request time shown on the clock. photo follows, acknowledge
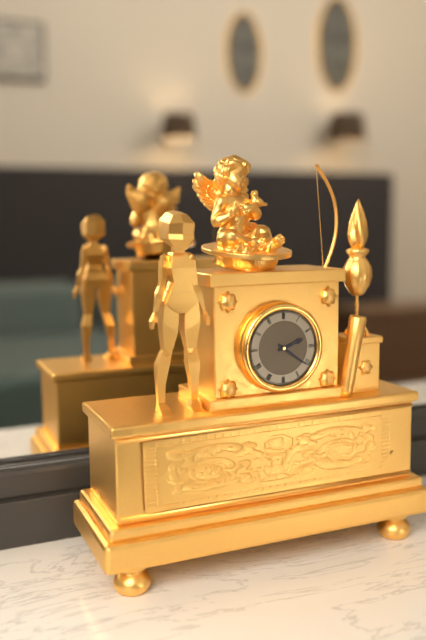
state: 2:21
